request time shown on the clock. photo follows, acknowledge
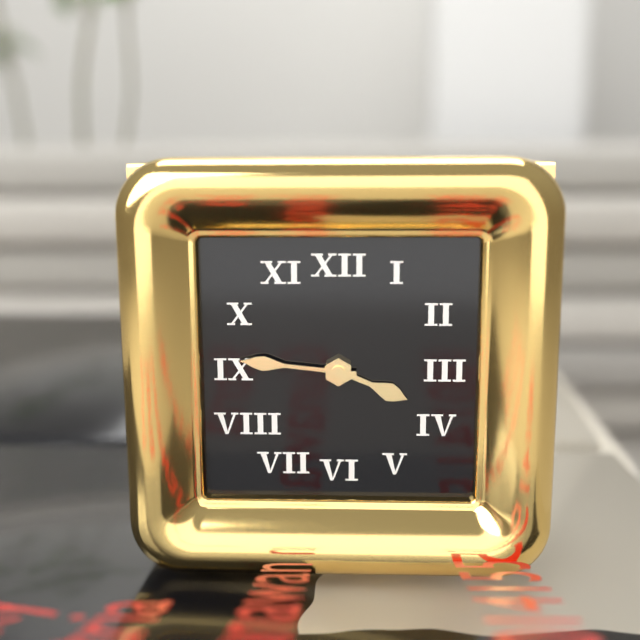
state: 3:46
